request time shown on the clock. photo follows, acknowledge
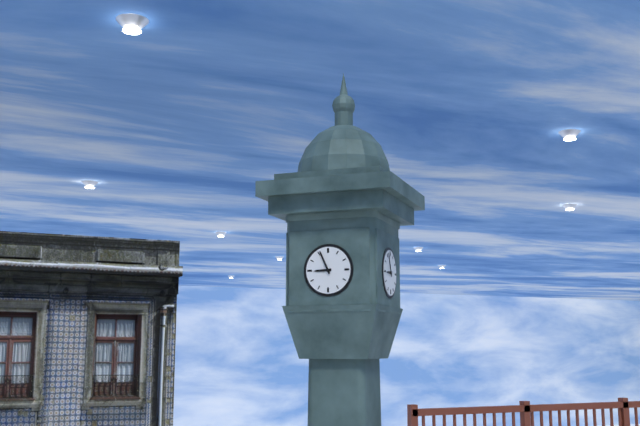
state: 8:56
